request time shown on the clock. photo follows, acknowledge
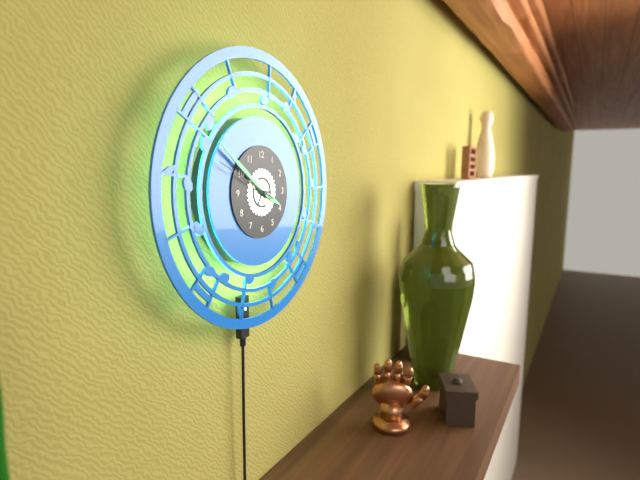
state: 3:51:49
